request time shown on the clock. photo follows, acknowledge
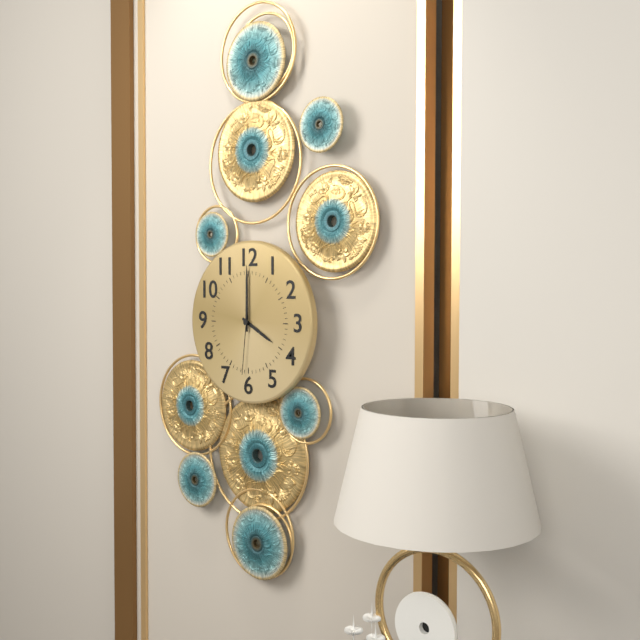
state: 4:00:31
